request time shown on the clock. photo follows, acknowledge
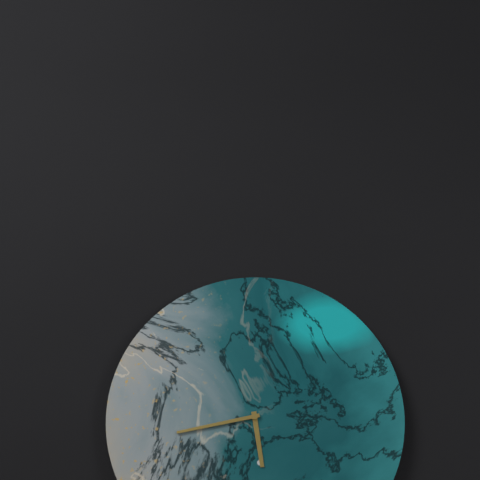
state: 5:43
